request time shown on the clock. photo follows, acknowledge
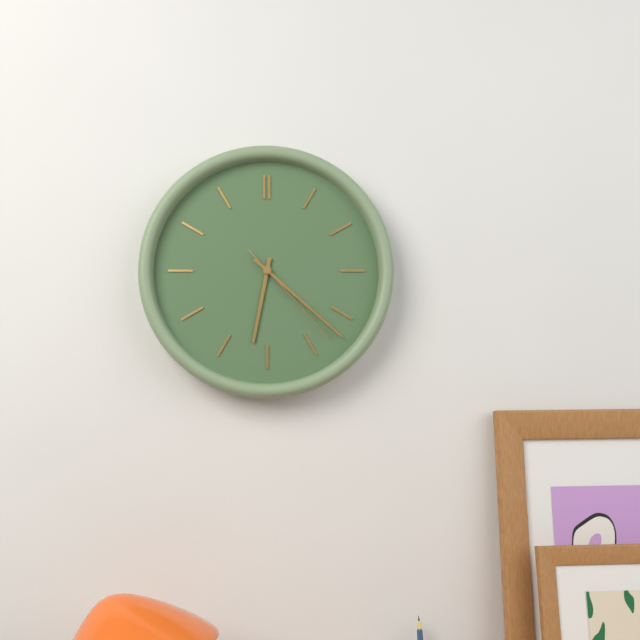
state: 6:22:23
